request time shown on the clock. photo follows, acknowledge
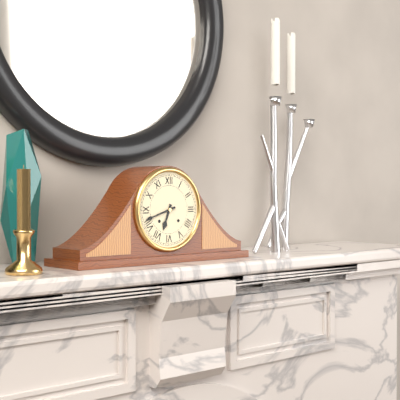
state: 6:42
